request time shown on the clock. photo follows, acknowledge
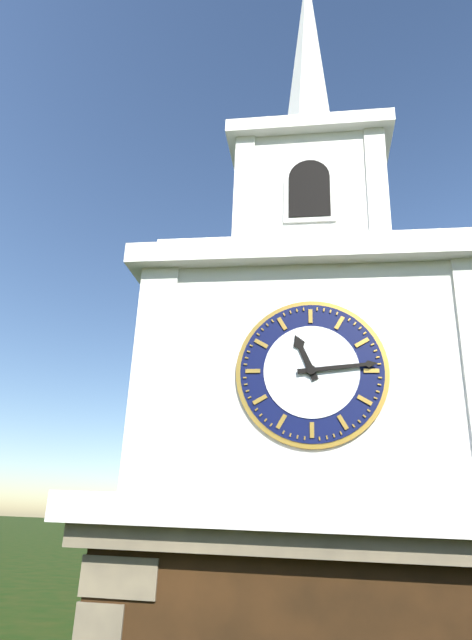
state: 11:14
